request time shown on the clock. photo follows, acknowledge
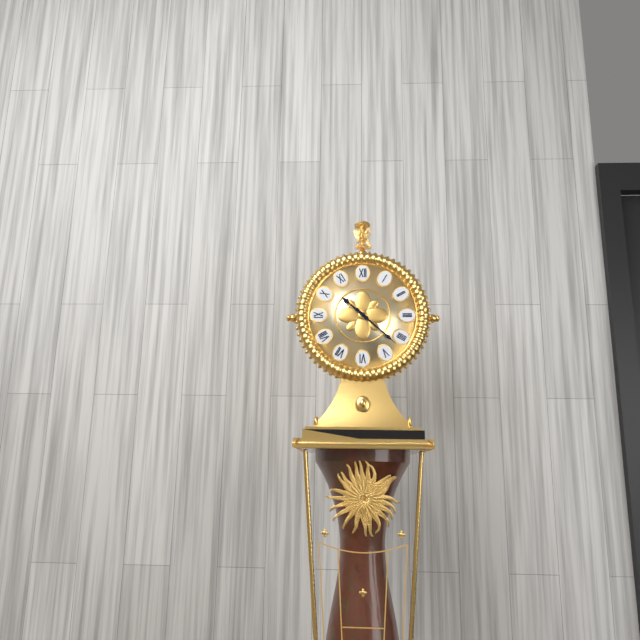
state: 10:22
